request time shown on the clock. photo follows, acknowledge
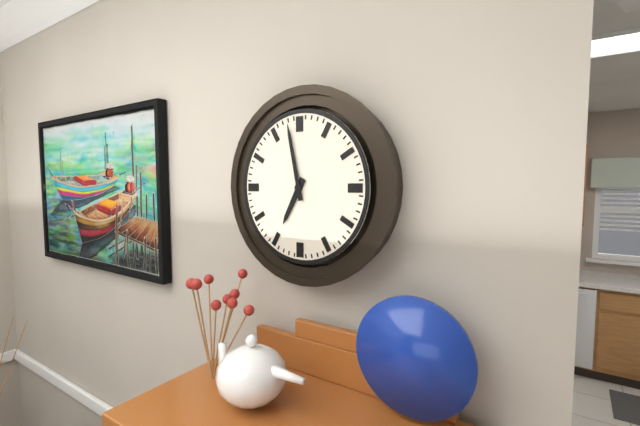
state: 6:58
